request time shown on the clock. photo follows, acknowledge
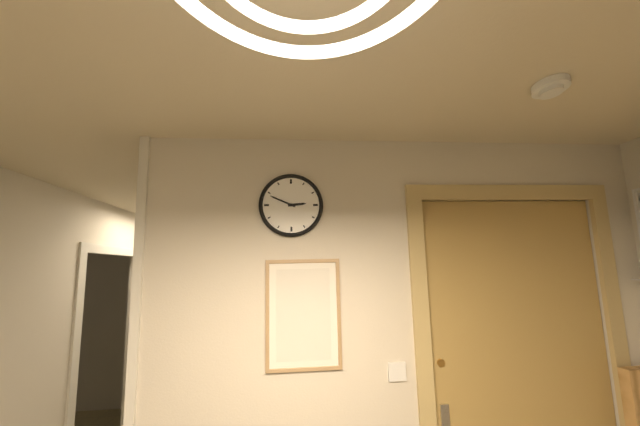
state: 2:49
